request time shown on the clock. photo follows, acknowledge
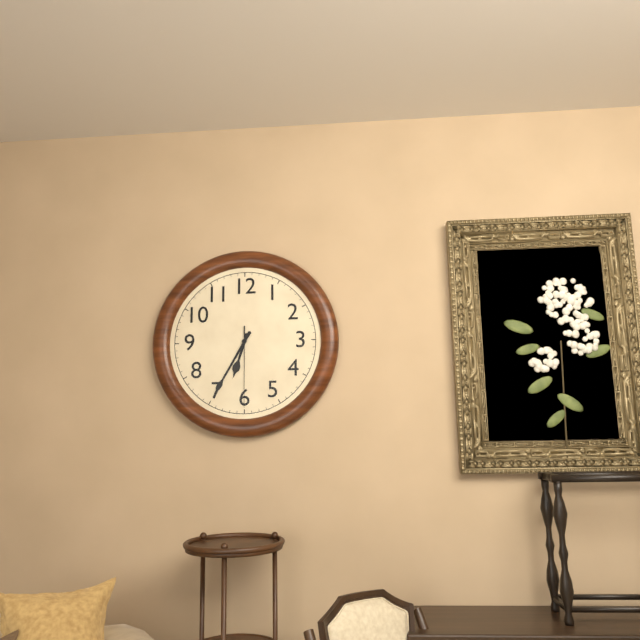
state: 6:35:30
